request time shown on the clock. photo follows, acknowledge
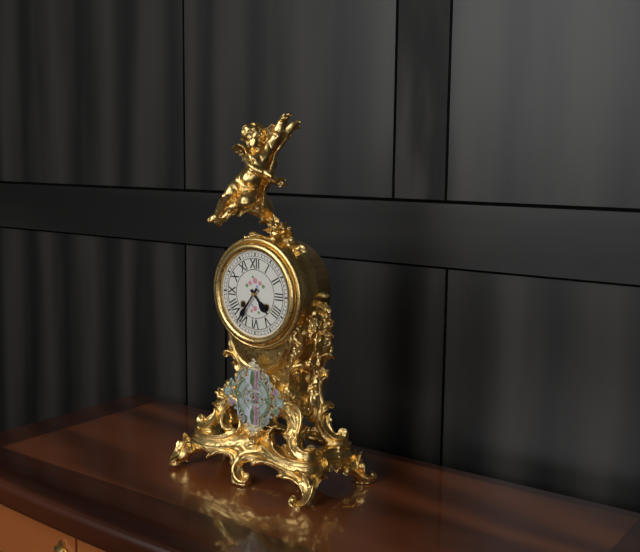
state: 4:36
